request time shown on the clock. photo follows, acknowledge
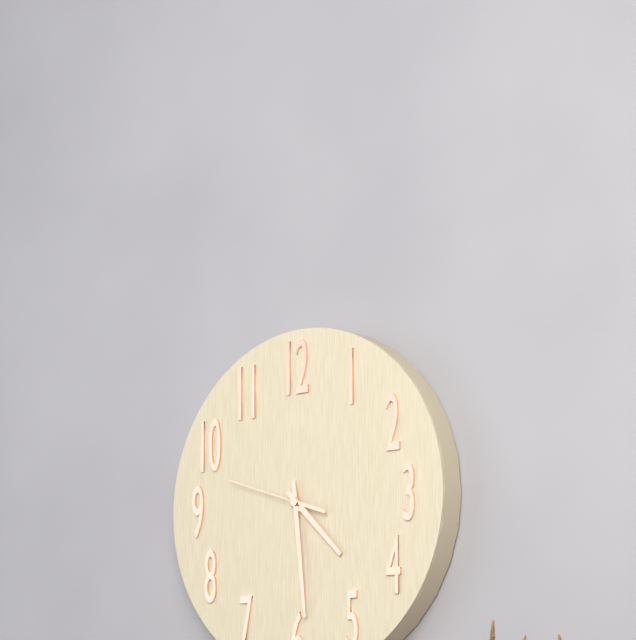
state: 4:29:48
